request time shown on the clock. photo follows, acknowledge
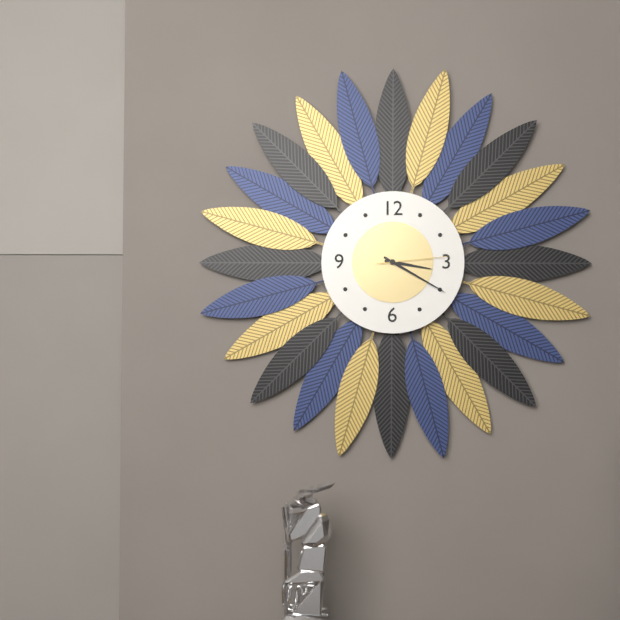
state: 3:20:14
